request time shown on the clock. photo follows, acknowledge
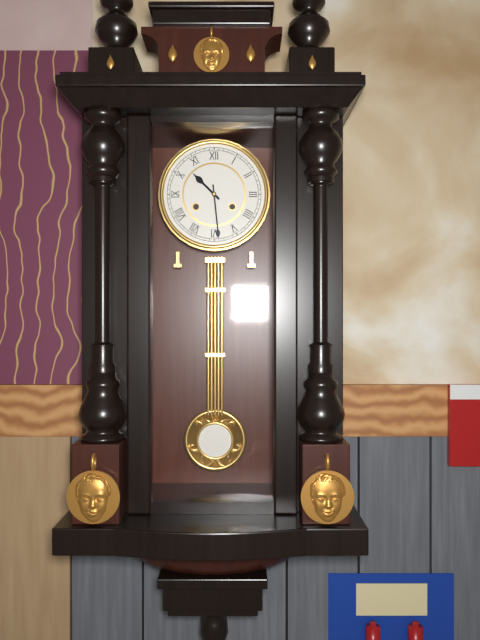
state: 10:29
